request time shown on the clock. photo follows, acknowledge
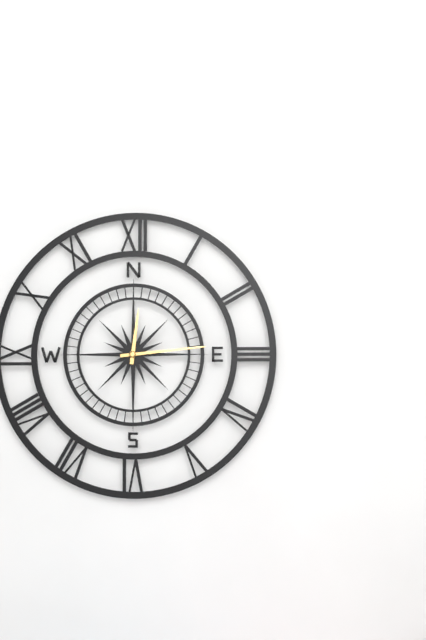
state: 12:14
